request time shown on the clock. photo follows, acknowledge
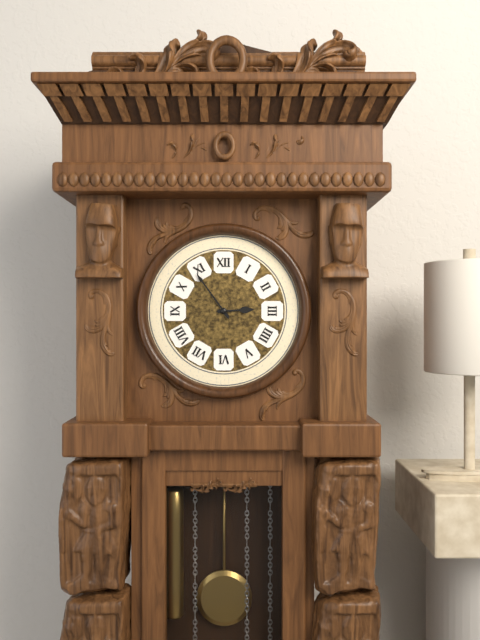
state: 2:54
